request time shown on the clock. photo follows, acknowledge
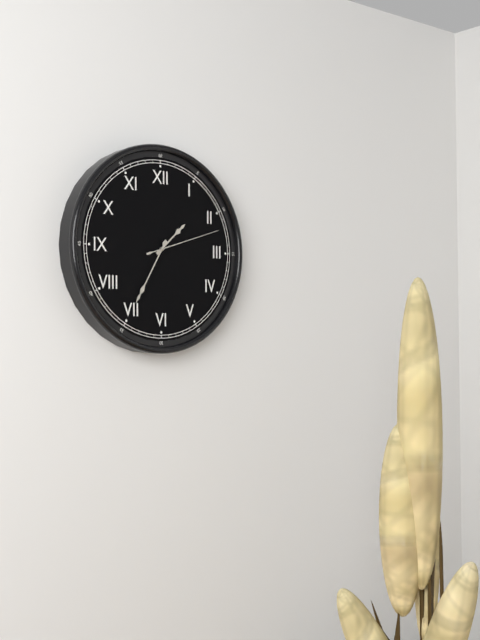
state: 1:35:12
